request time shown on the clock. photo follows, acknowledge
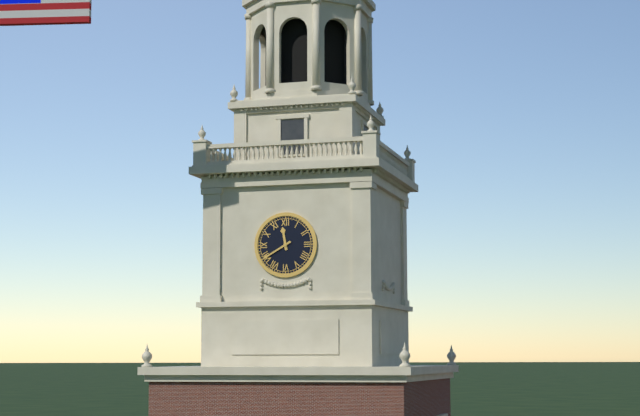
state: 11:40
